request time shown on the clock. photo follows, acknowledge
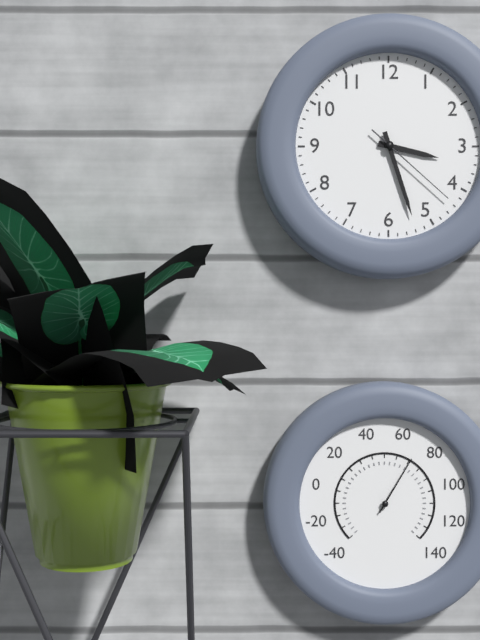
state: 3:27:22
